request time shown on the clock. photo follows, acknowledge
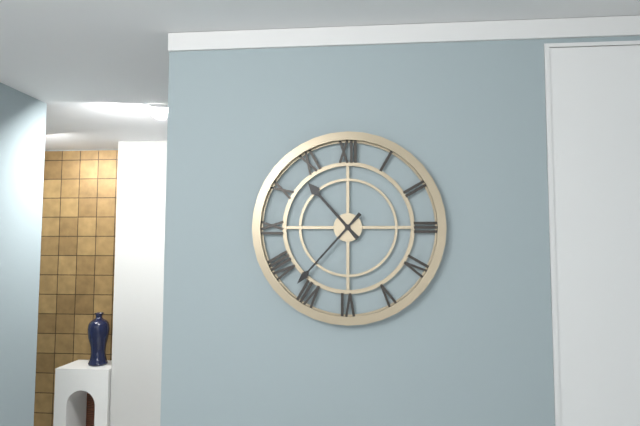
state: 10:37
